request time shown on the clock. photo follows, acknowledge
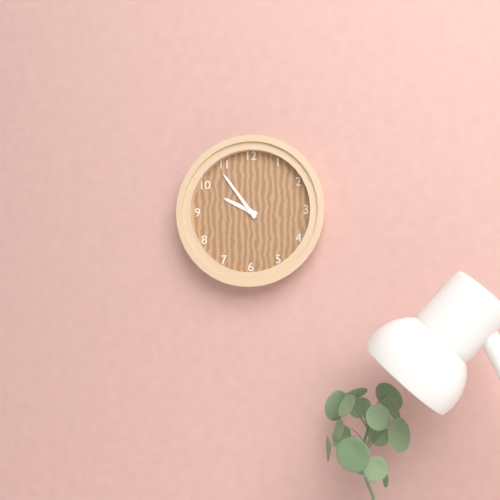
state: 9:54
